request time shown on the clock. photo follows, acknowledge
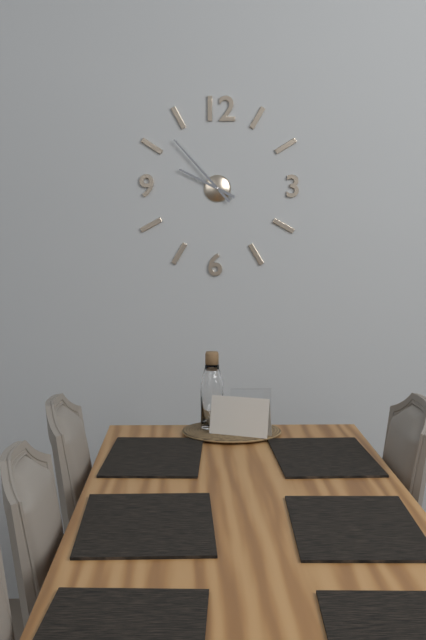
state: 9:53
